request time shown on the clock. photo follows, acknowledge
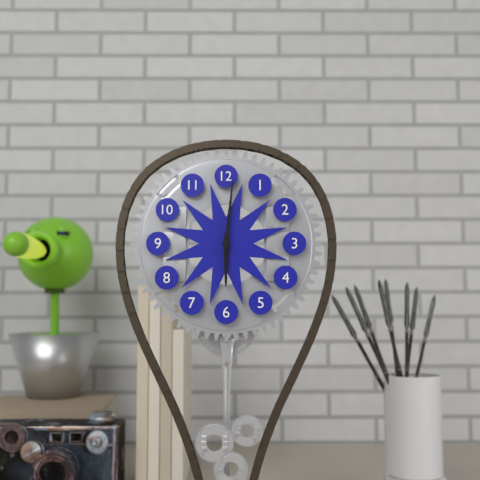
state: 6:01
